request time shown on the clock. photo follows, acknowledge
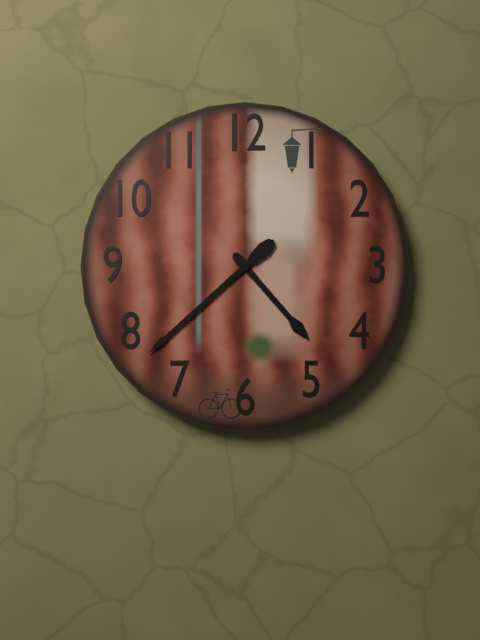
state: 4:38
